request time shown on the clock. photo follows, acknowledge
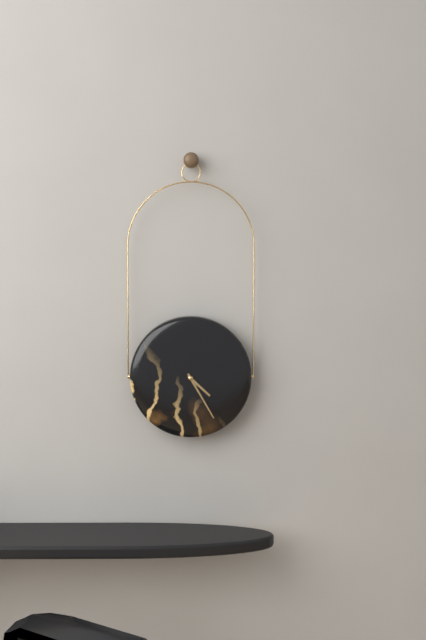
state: 4:25
